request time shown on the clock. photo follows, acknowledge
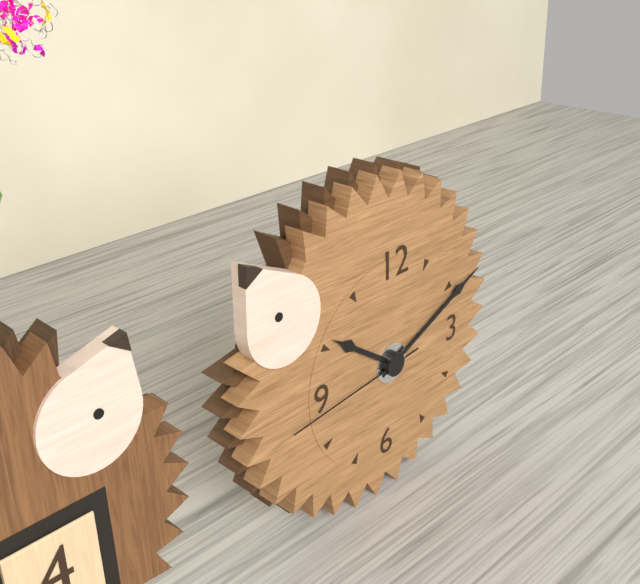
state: 10:11:44
